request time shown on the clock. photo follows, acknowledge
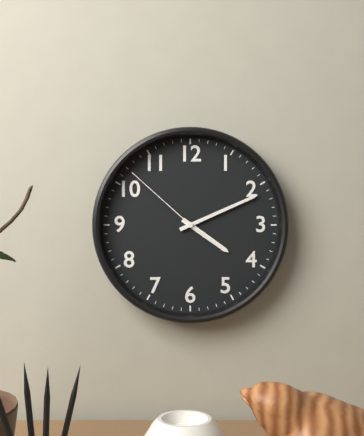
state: 4:11:52
